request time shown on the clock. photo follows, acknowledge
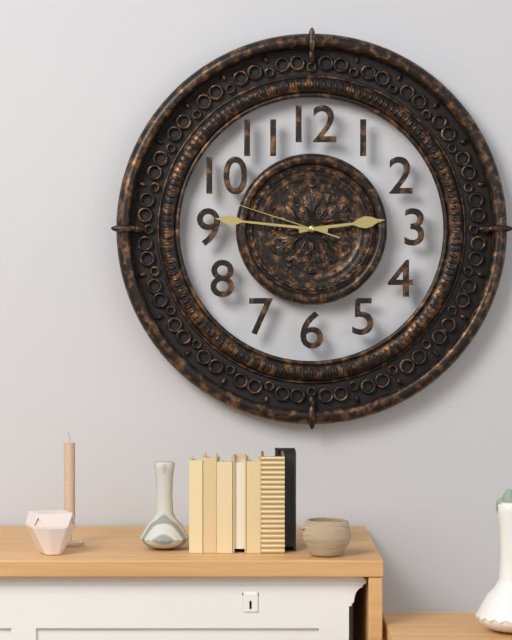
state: 2:46:48
